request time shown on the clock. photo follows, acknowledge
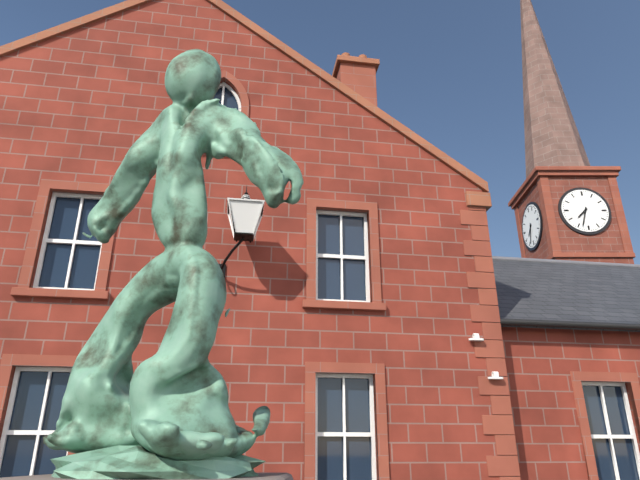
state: 7:33
